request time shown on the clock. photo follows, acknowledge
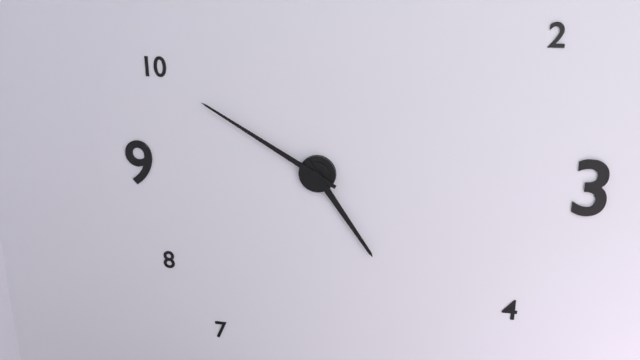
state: 4:50
